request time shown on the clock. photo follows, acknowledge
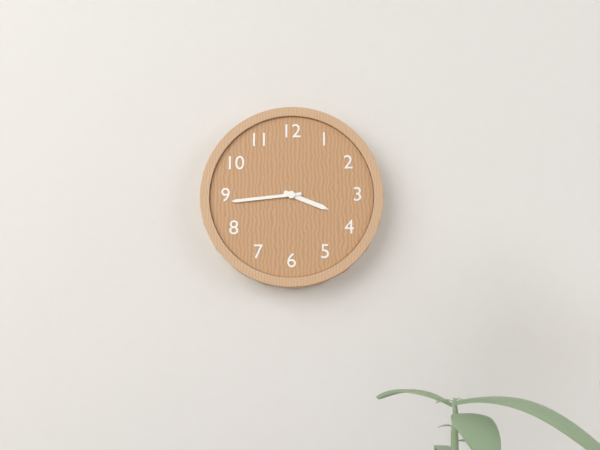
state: 3:44
